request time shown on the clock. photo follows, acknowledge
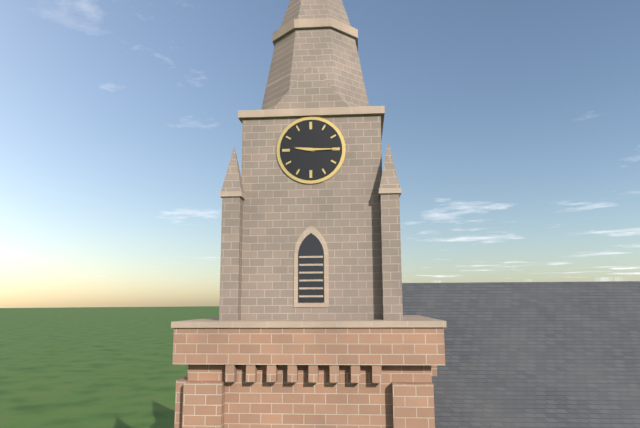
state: 9:15
